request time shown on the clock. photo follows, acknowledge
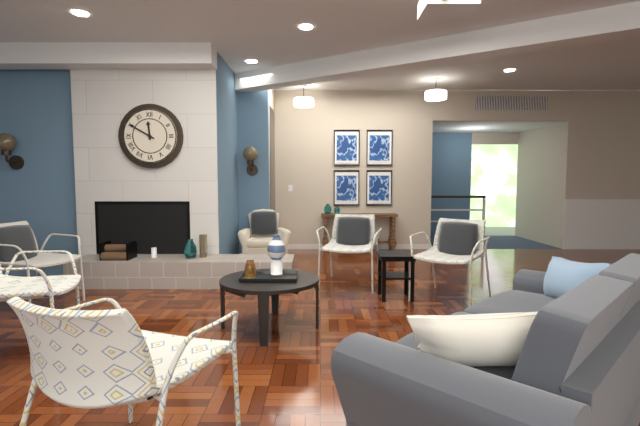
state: 11:50
